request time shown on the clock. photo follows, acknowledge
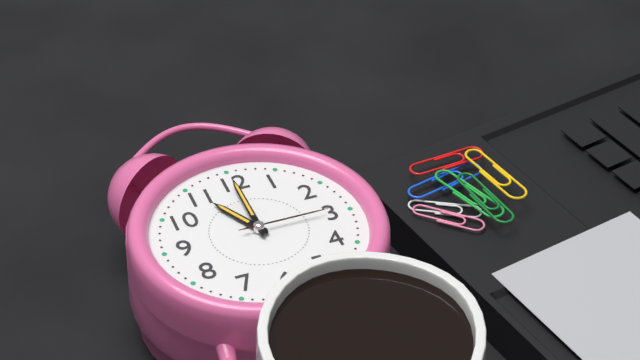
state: 11:00:15
